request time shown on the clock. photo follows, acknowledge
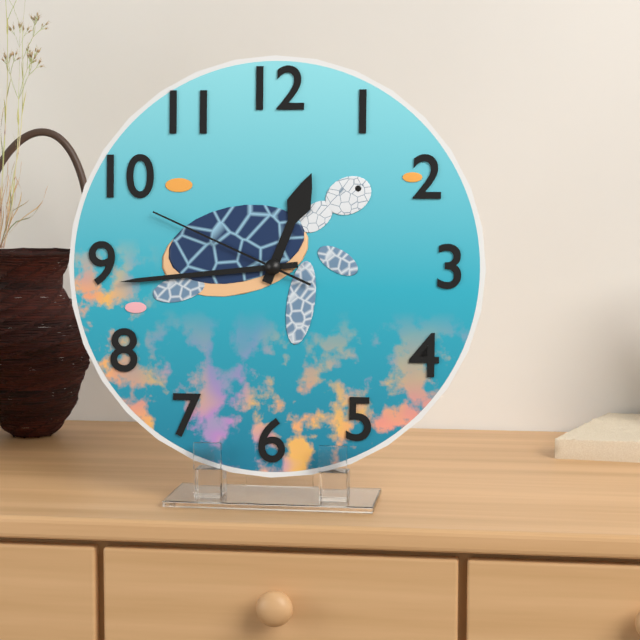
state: 12:44:49
